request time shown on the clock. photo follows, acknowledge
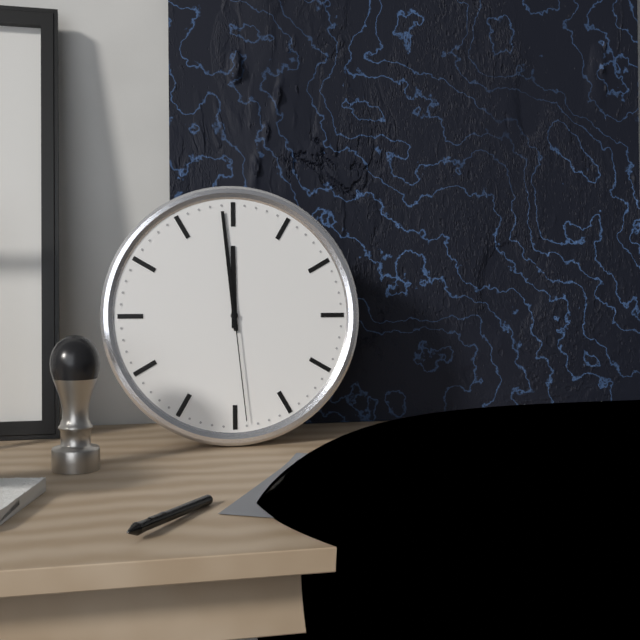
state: 11:59:29
